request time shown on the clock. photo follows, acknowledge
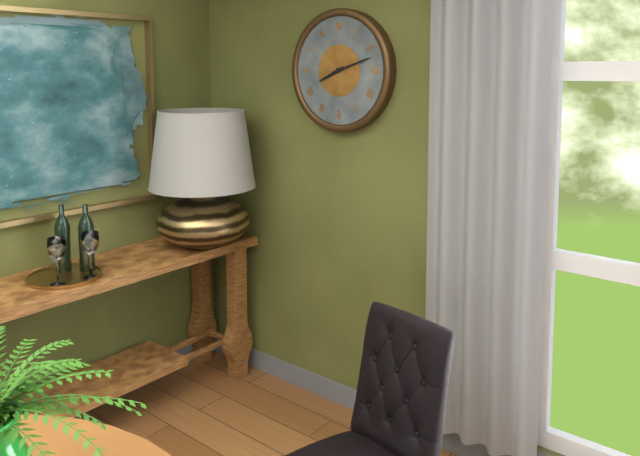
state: 8:12
